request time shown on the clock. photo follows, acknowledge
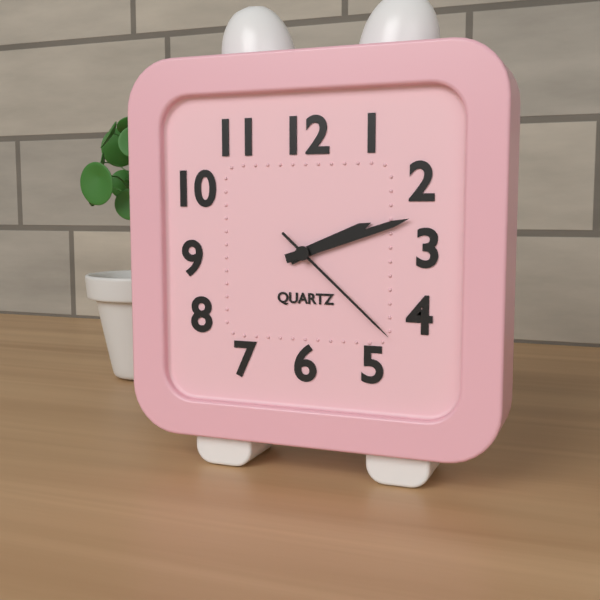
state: 2:12:22
